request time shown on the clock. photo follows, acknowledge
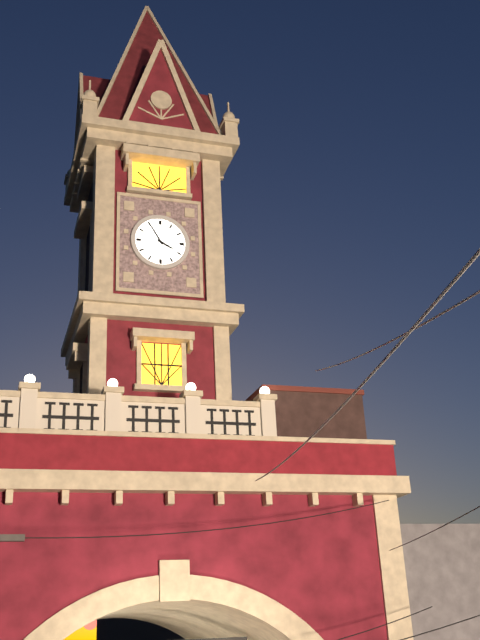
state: 3:55
